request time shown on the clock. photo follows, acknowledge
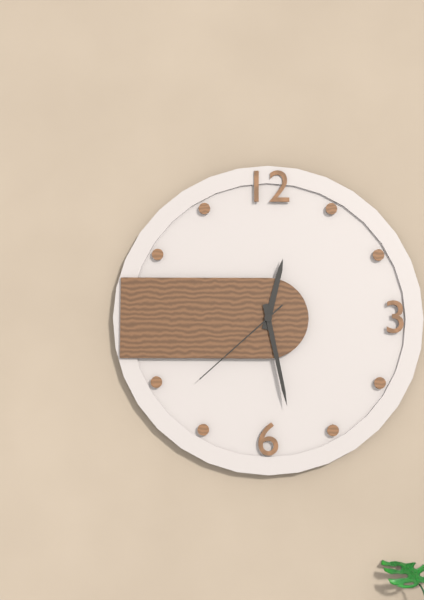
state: 12:28:38
